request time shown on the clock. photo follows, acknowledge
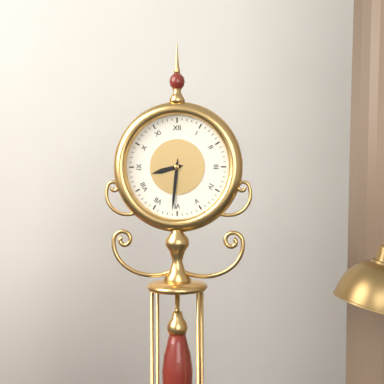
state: 8:31
